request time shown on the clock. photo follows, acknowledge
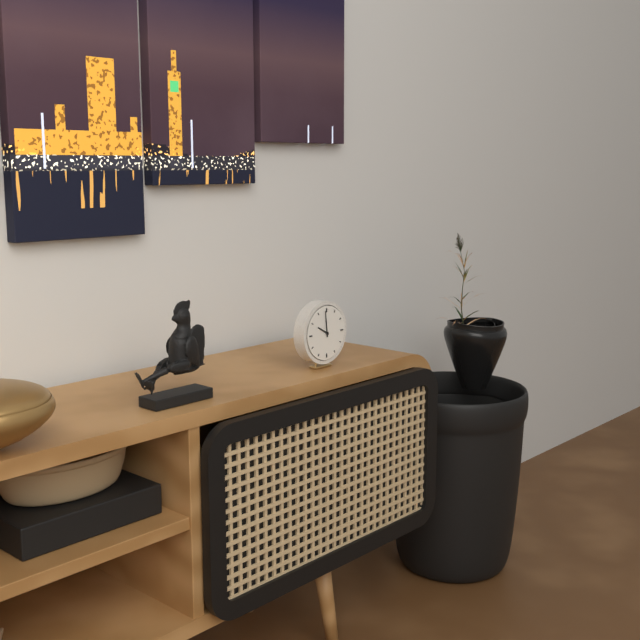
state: 9:59
